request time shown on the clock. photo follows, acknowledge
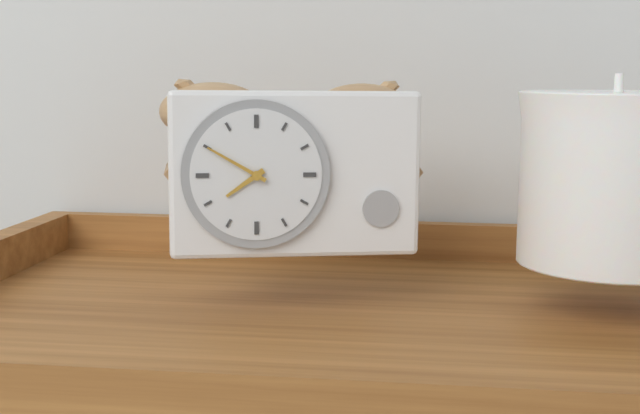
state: 7:50
